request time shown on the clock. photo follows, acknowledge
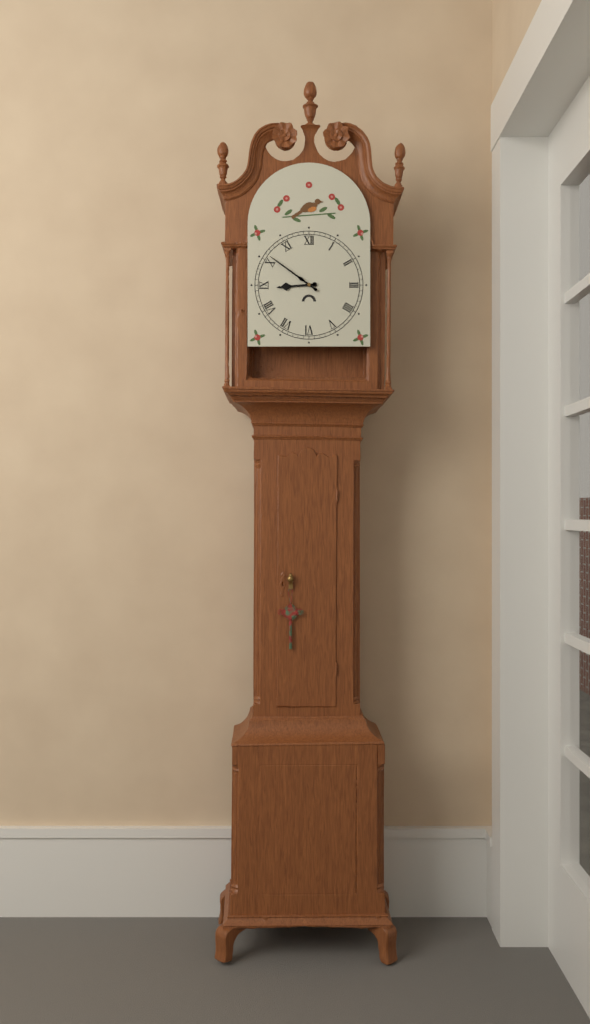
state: 8:51
